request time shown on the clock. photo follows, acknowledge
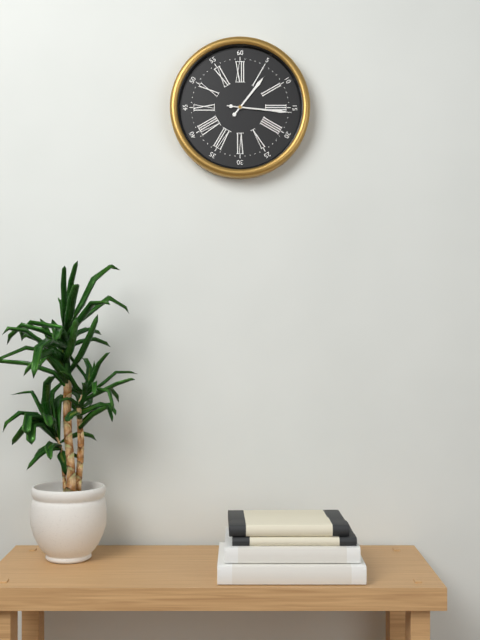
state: 1:16:16
